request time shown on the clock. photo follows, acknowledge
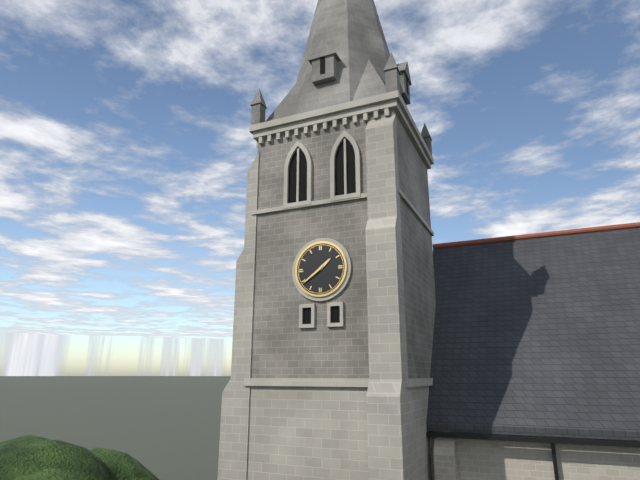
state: 1:39
